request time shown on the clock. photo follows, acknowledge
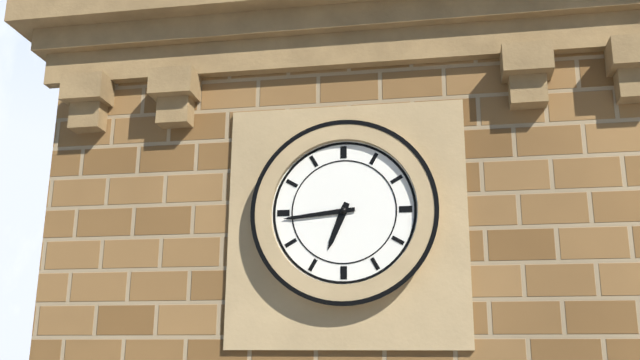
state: 6:44
